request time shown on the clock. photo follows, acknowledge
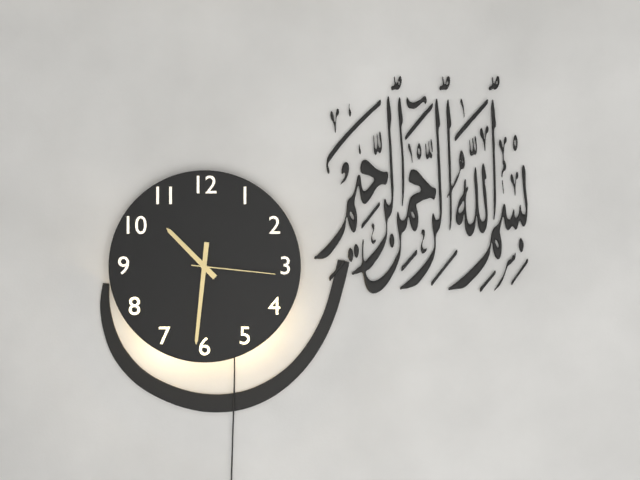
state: 10:31:16
